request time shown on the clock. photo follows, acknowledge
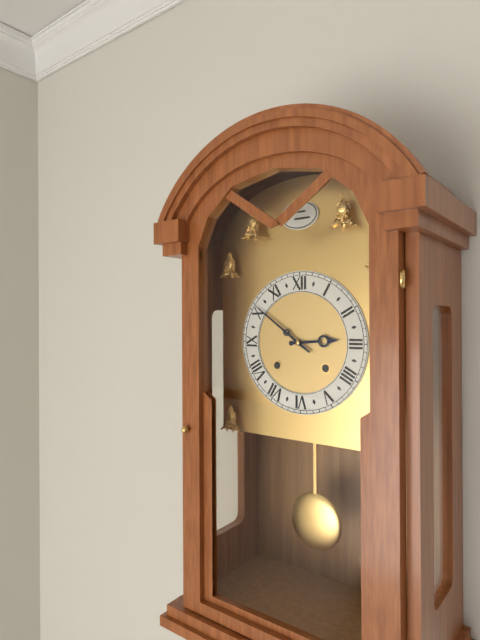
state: 2:51
